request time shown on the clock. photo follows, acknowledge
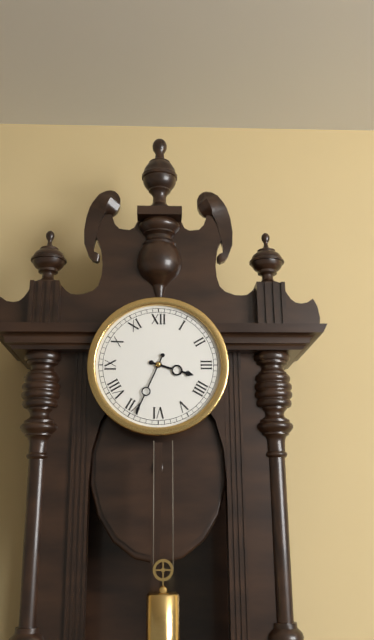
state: 3:34
